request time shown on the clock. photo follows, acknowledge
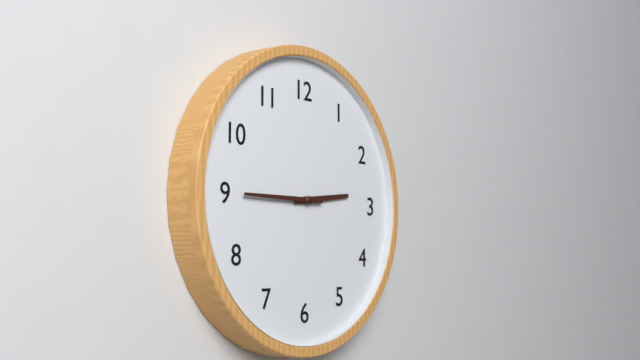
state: 2:45
